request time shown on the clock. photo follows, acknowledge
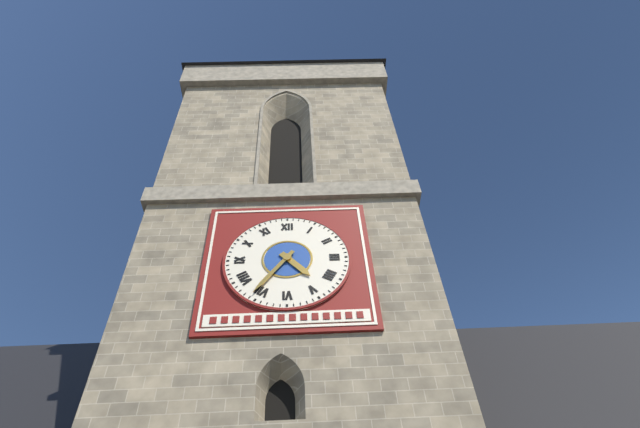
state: 4:36
